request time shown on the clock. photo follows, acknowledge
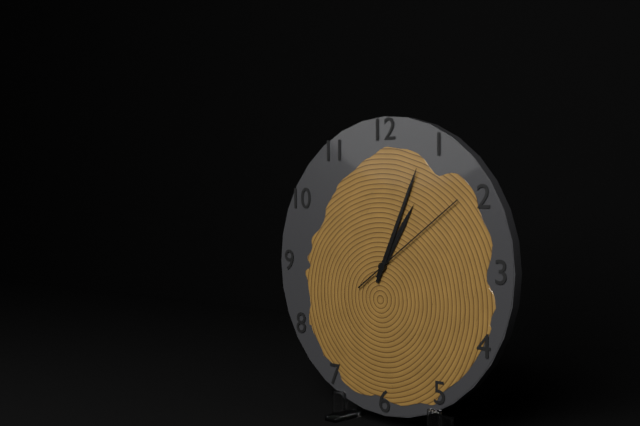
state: 1:04:09
